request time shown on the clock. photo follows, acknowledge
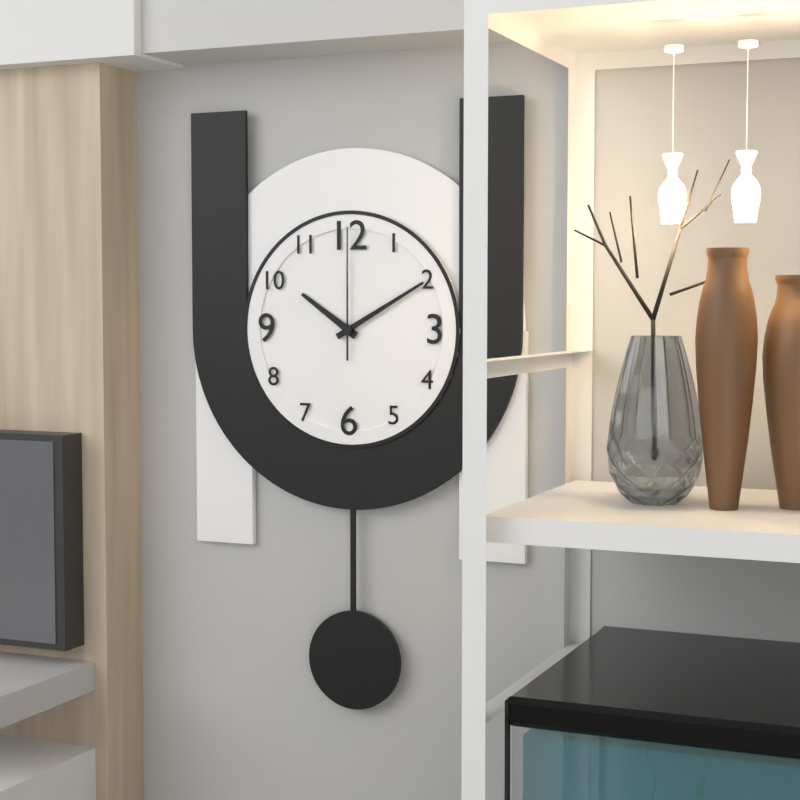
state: 10:10:00
